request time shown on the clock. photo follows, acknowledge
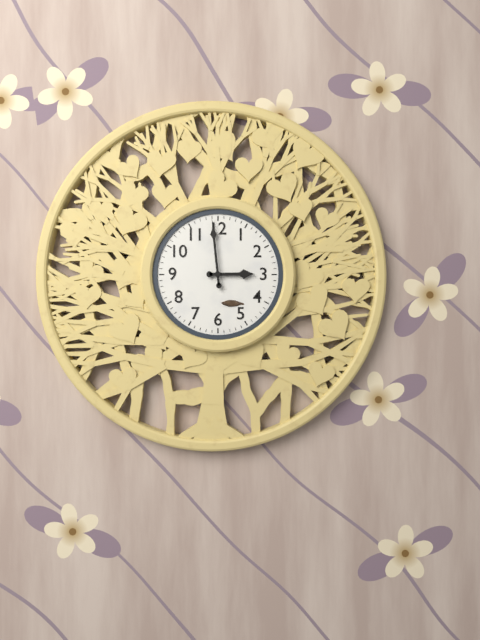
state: 2:59
